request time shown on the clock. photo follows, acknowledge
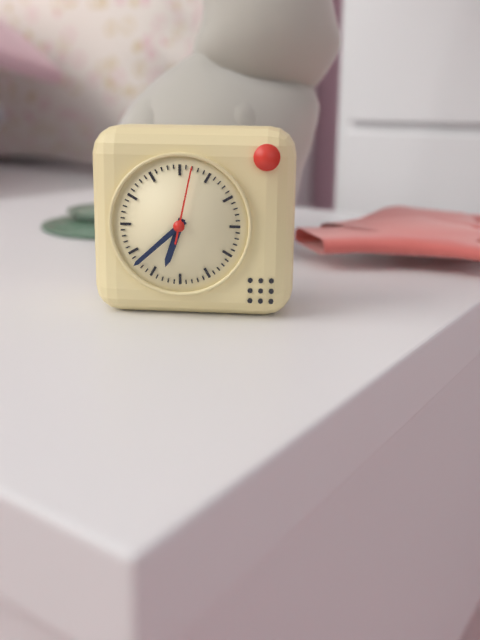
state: 6:38:02
